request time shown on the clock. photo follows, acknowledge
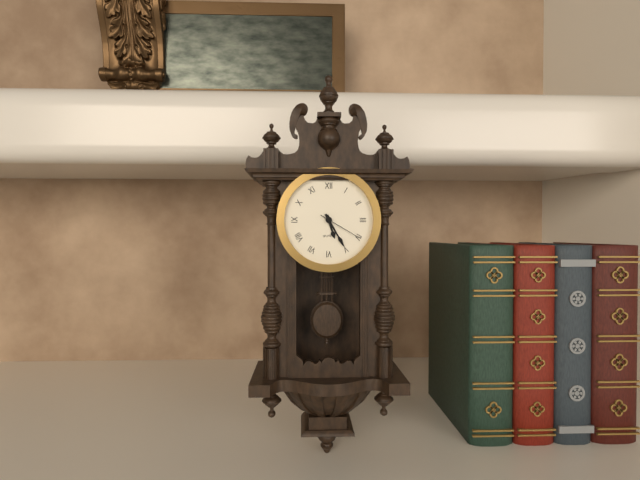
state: 5:25
